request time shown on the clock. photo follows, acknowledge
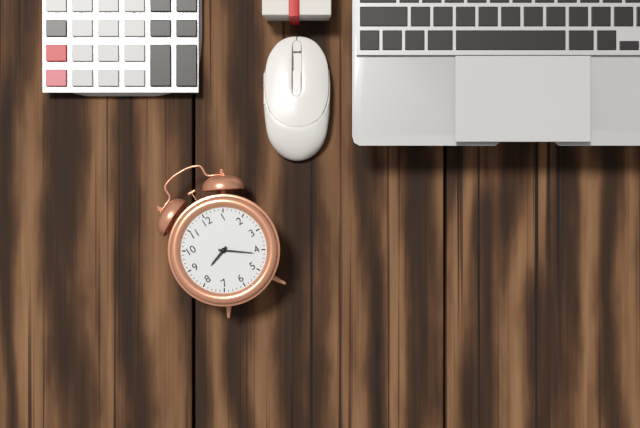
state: 8:21
